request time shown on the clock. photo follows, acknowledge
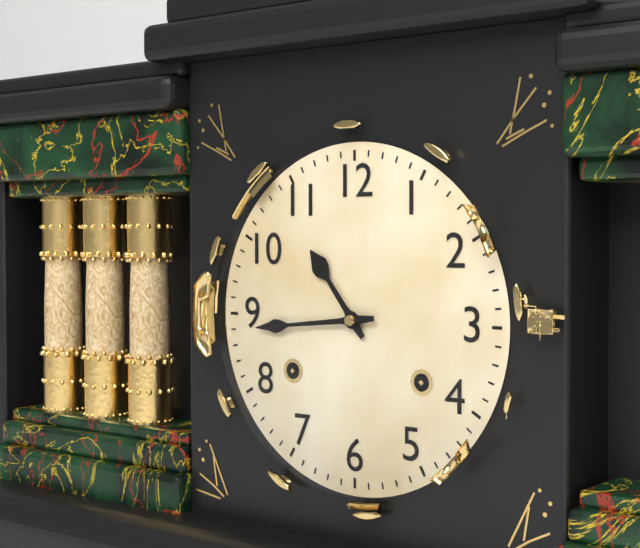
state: 10:44
